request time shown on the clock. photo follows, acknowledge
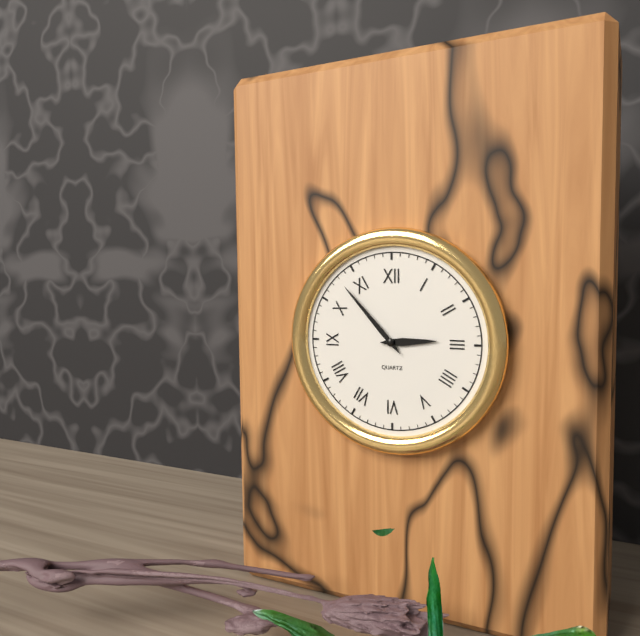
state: 2:53
